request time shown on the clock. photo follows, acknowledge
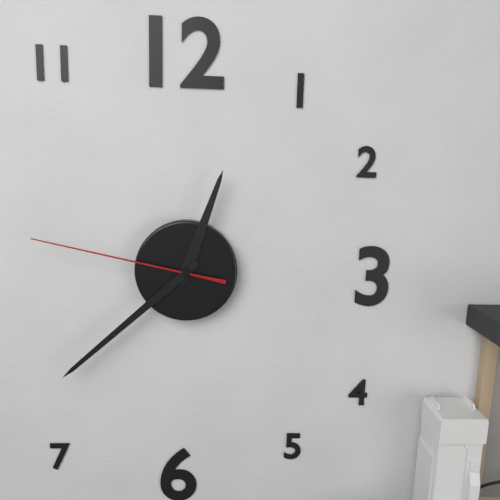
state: 12:38:47
